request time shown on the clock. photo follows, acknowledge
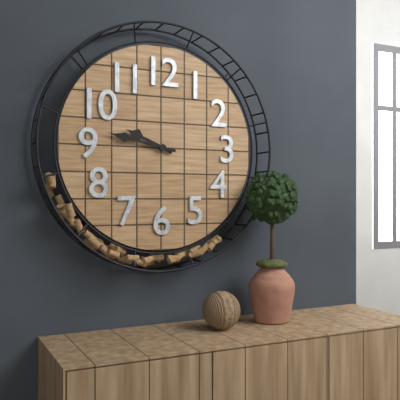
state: 9:47
